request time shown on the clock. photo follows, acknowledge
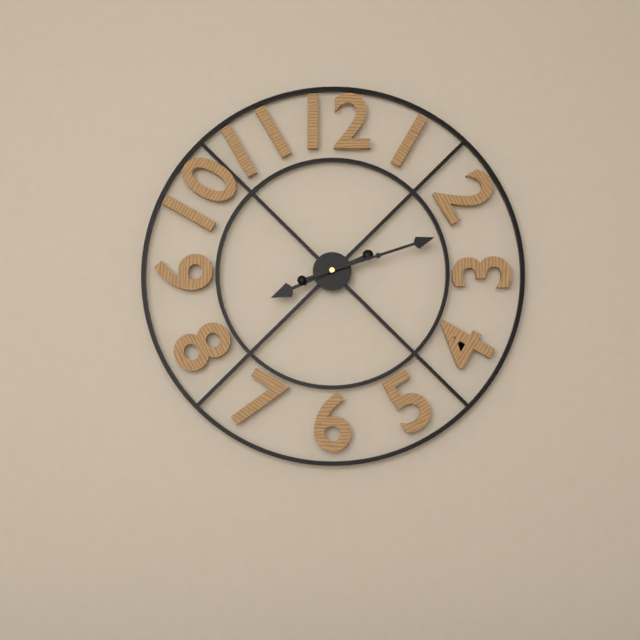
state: 8:12
